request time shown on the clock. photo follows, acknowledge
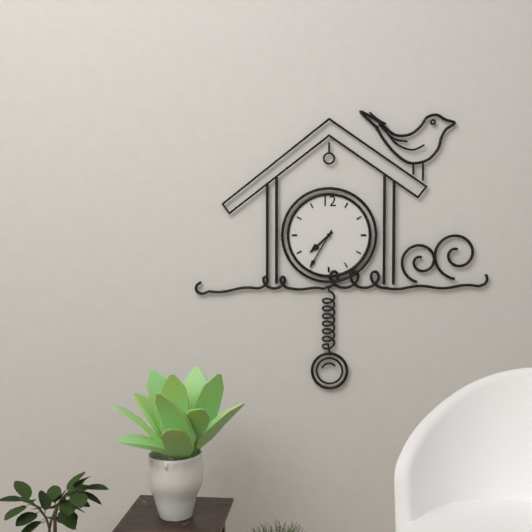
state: 7:35
